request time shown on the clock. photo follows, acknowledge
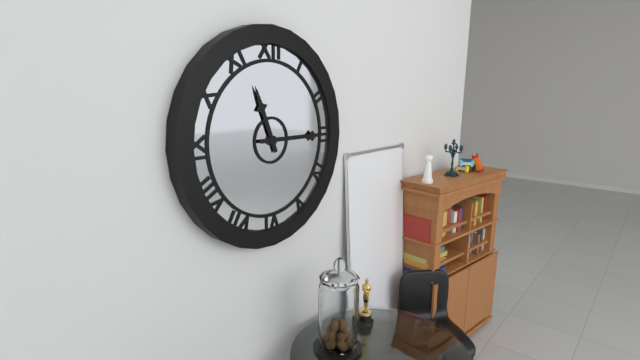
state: 11:15
